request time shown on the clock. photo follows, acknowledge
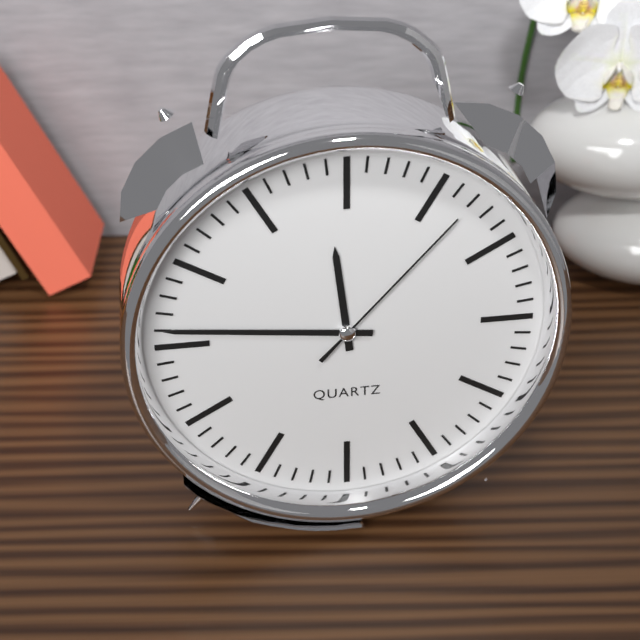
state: 11:46:07
